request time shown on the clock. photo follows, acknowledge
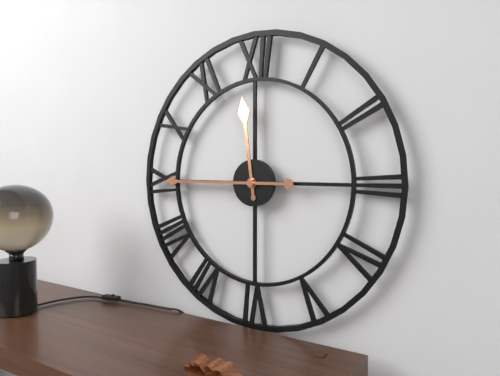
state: 11:45
